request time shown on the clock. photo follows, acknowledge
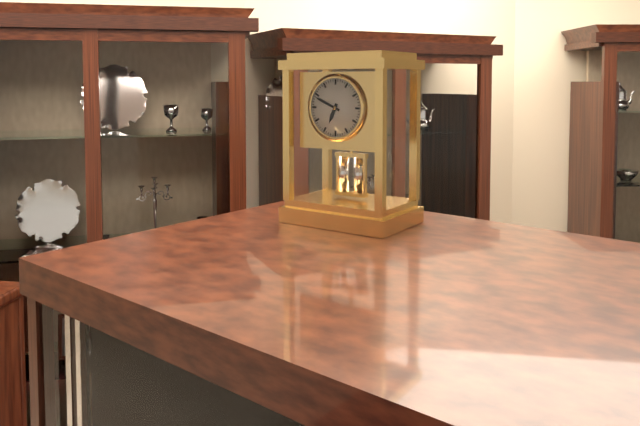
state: 6:49
